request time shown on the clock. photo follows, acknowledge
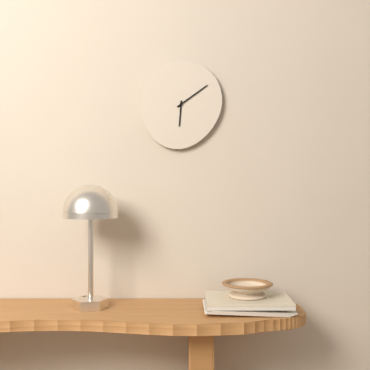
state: 6:09
